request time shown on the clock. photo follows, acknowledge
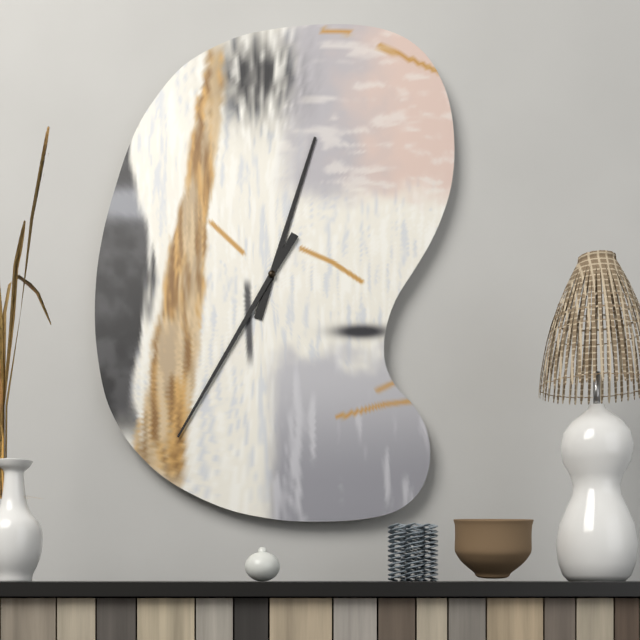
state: 12:35
